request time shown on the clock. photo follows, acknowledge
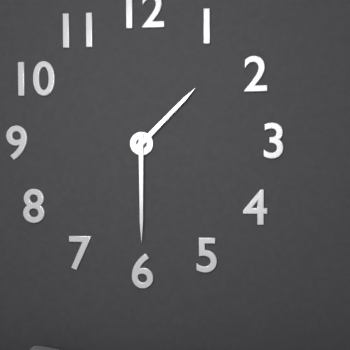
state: 1:30
